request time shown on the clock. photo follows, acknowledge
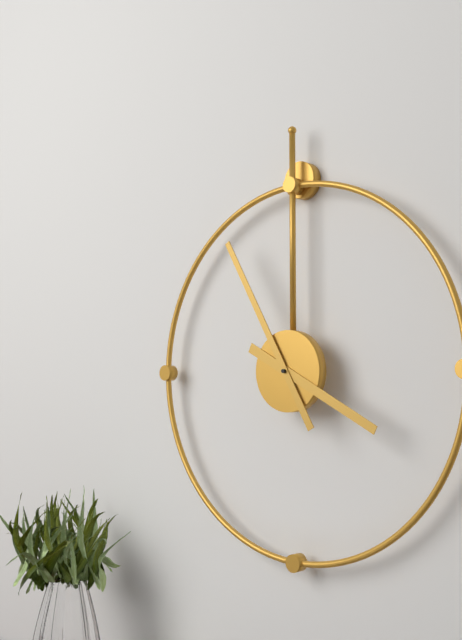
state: 3:55
